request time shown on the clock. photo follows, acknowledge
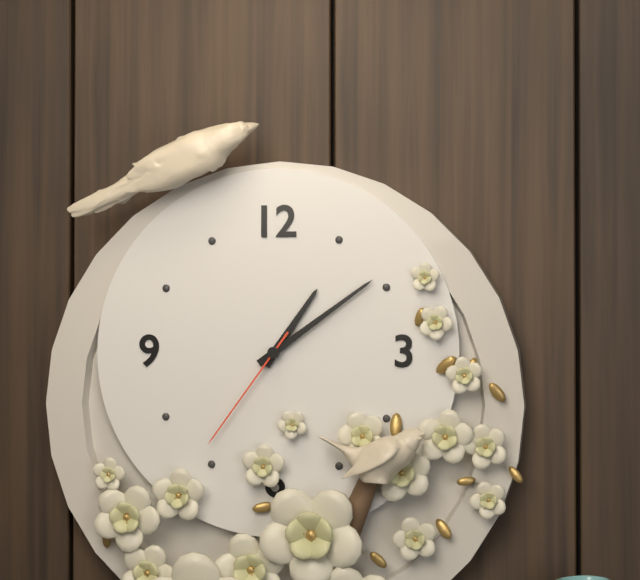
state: 1:09:36
